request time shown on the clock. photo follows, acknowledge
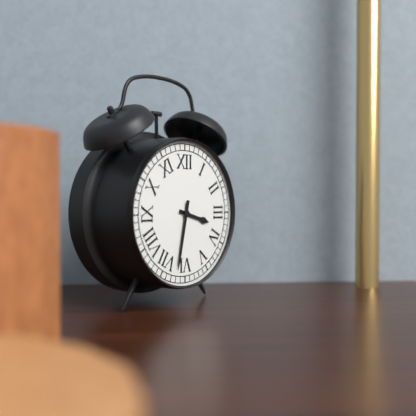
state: 3:32
